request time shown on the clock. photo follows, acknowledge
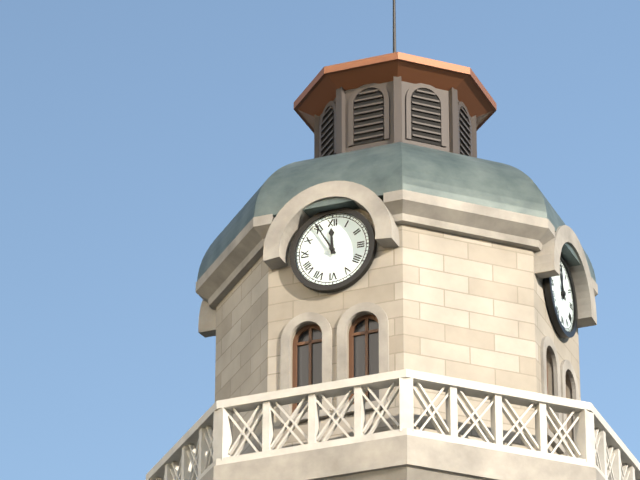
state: 11:55
